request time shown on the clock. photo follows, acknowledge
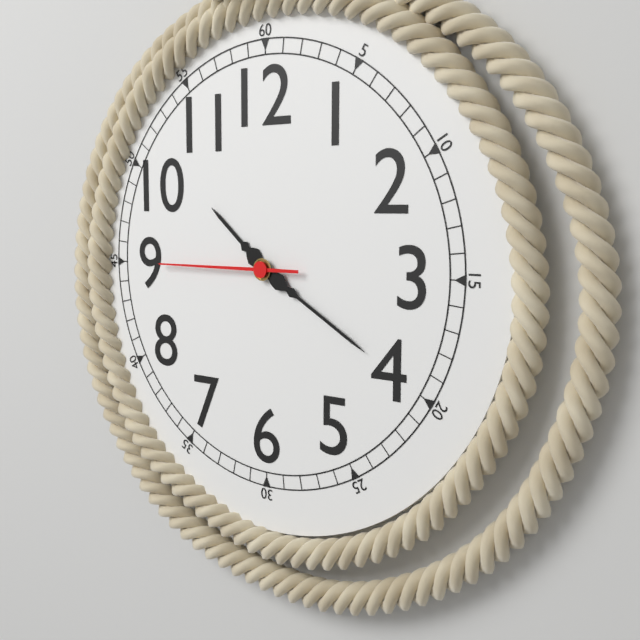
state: 10:20:45
